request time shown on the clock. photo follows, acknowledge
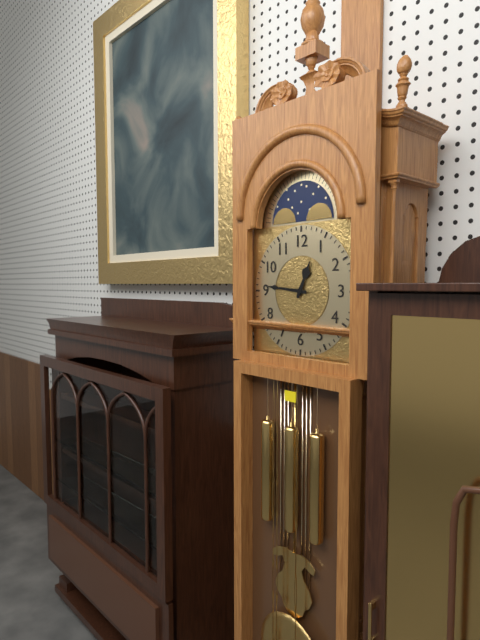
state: 12:46
